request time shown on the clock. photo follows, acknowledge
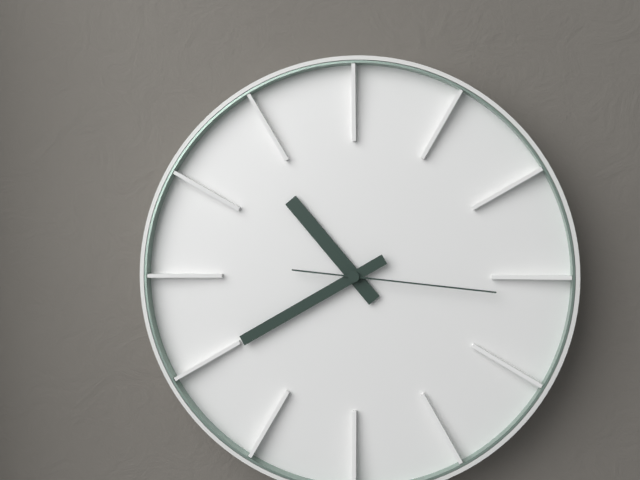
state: 10:40:16
